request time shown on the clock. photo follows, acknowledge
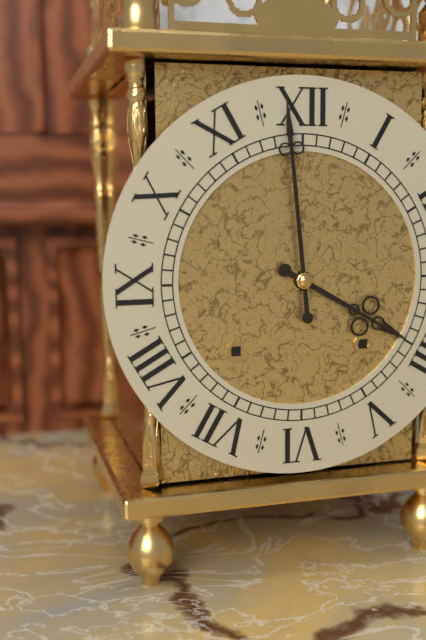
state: 3:59
